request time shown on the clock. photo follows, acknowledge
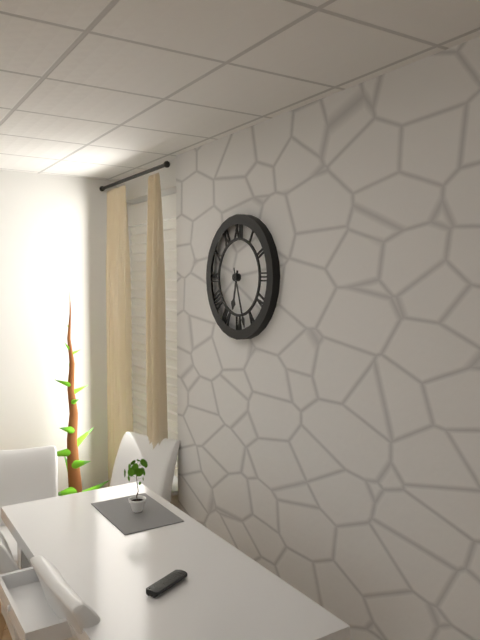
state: 6:27
